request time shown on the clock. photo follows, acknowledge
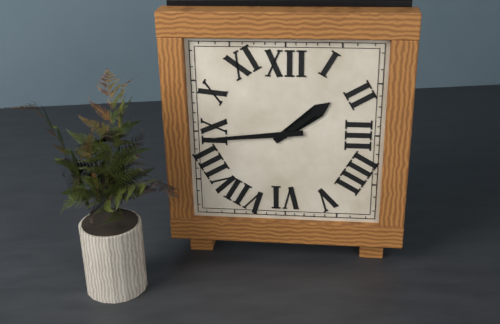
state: 1:44
